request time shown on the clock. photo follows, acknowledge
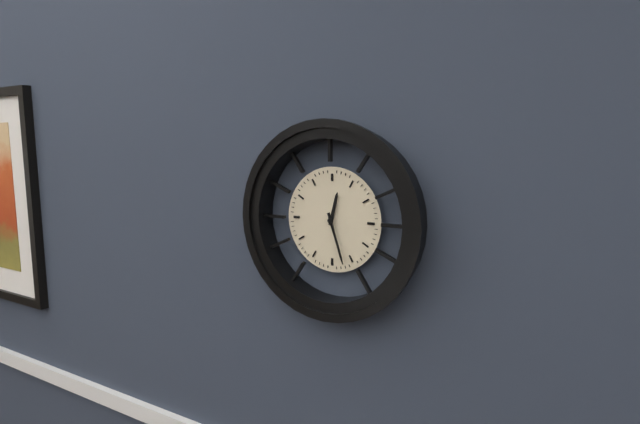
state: 12:27
